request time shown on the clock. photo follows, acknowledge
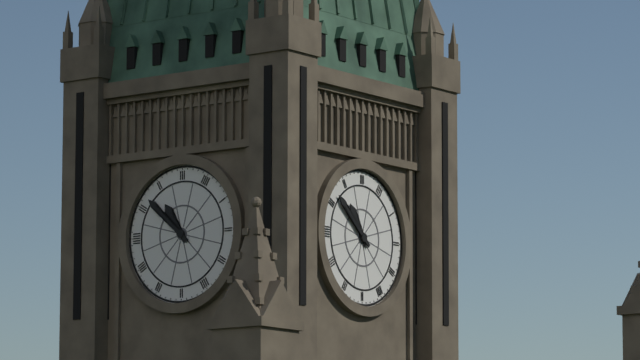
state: 10:52
